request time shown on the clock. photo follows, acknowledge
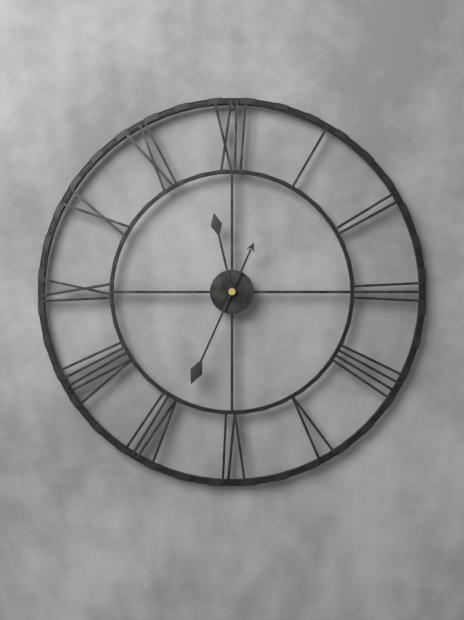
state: 11:34
